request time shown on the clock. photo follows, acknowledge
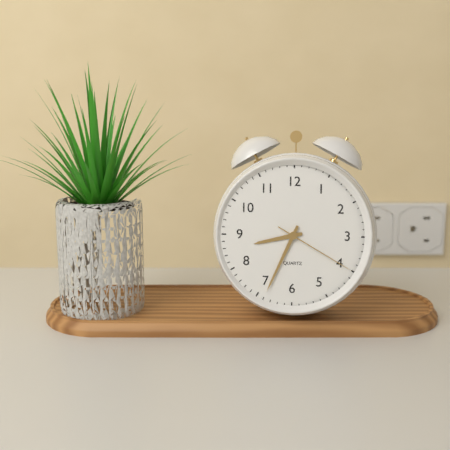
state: 8:34:20
